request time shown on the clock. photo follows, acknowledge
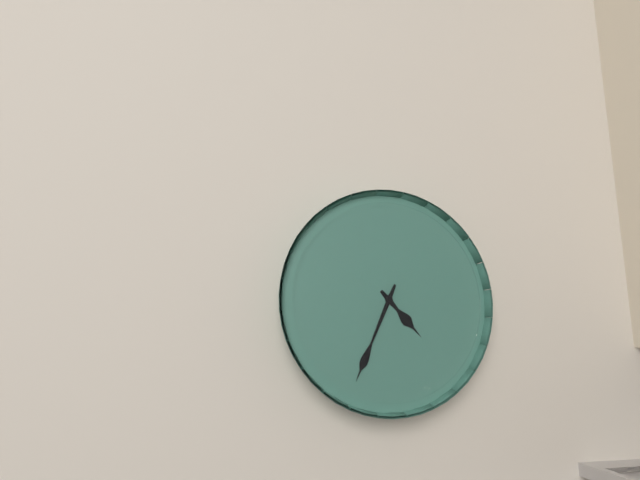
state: 4:34
